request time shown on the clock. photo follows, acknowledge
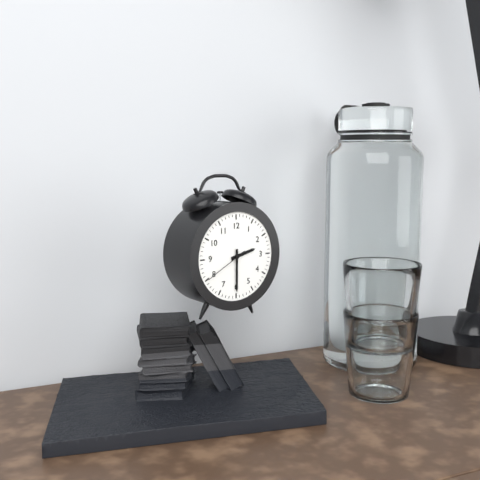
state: 2:30
